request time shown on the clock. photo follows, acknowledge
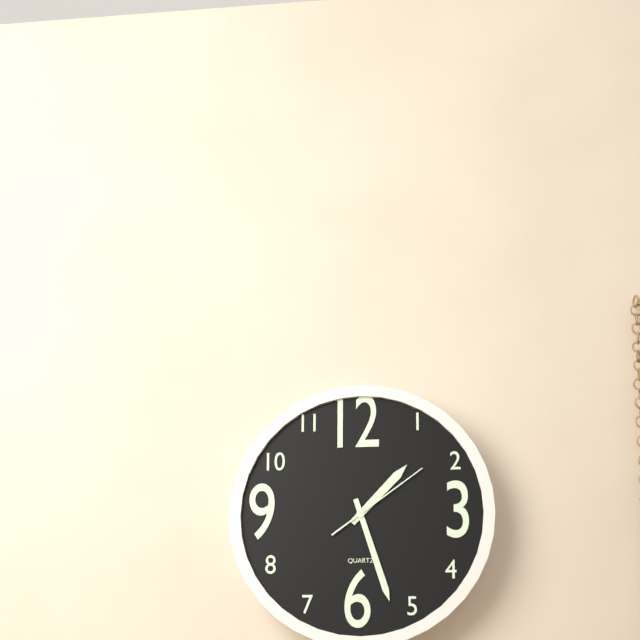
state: 1:27:09
